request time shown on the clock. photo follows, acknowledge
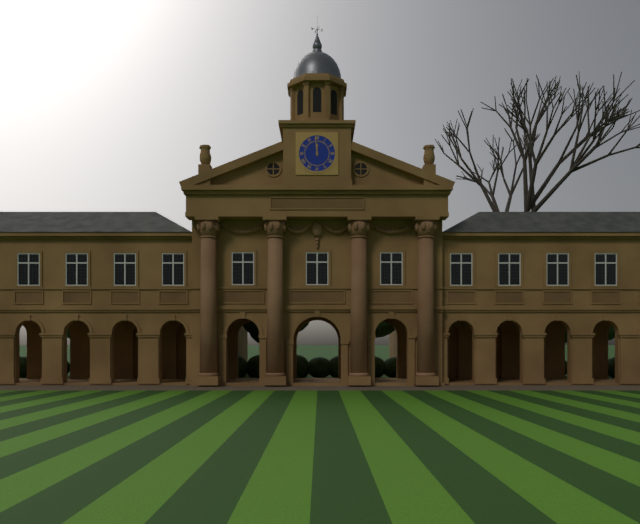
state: 11:59
